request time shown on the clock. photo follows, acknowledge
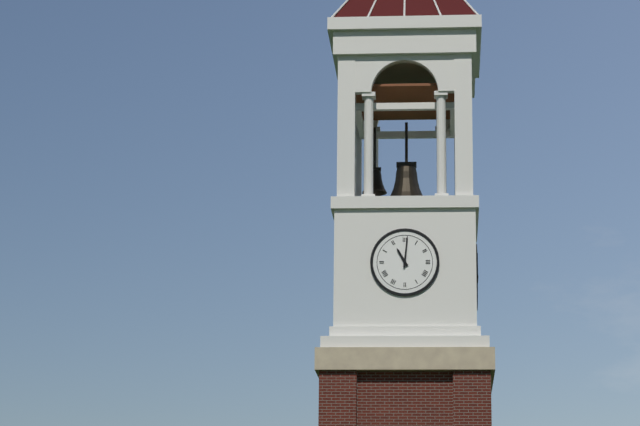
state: 11:01
